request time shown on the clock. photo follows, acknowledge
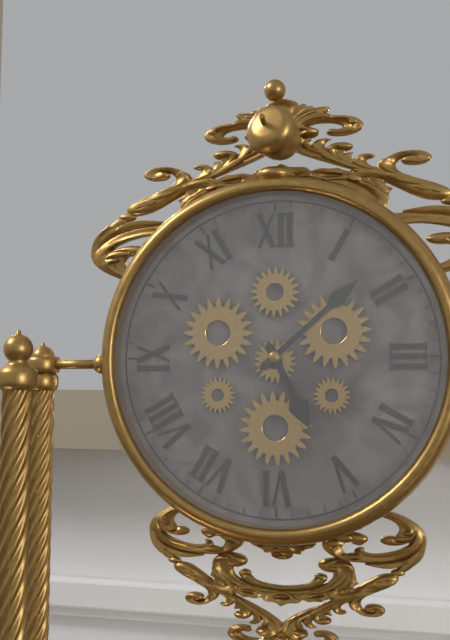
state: 5:08
